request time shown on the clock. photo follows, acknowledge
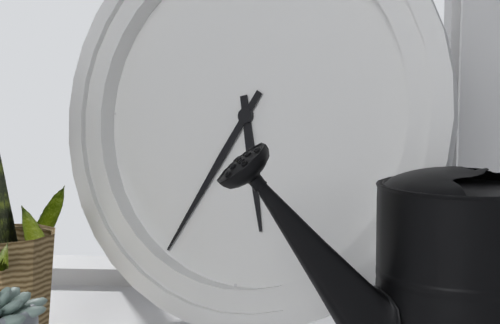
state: 5:35
